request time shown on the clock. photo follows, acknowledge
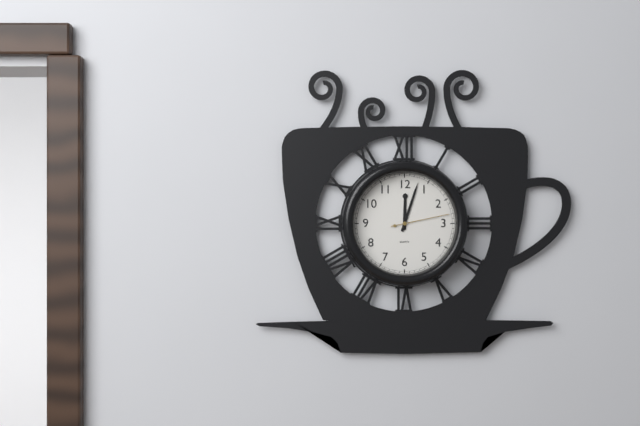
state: 12:03:13
